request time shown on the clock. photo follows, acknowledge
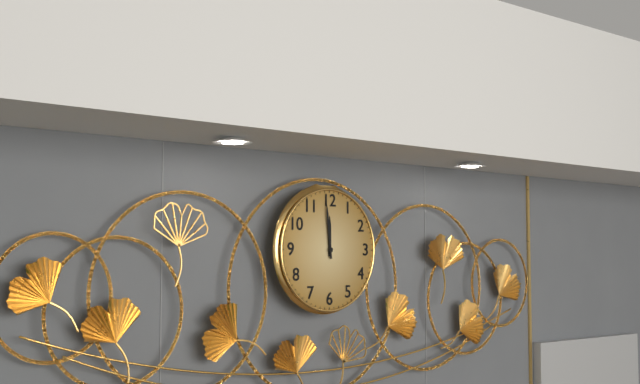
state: 11:59
